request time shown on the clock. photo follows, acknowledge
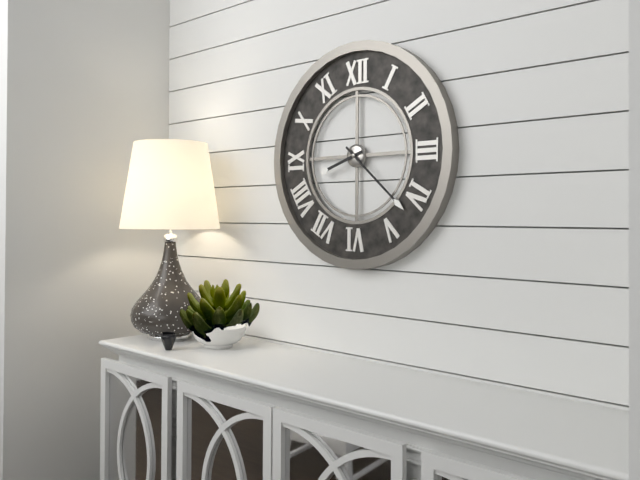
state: 8:22
